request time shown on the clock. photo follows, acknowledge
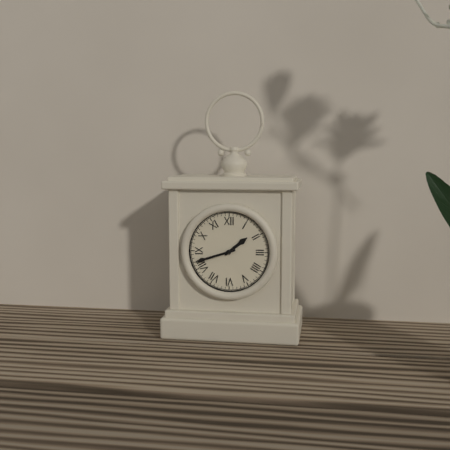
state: 1:42
